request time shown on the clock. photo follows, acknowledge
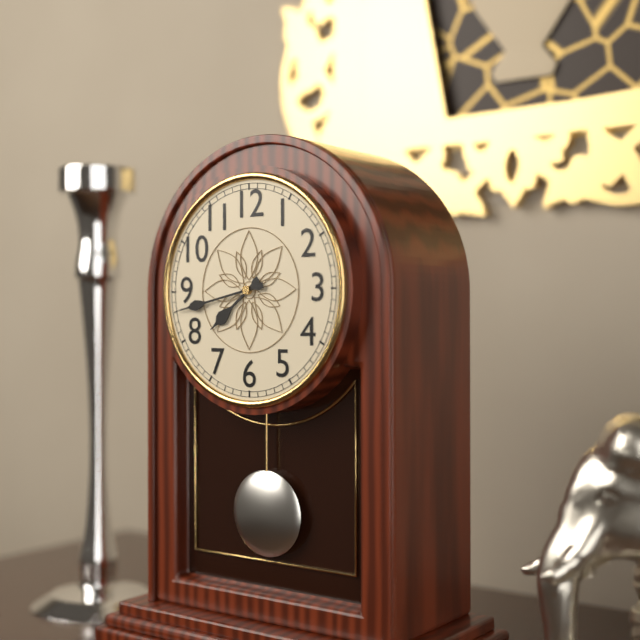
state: 7:43
